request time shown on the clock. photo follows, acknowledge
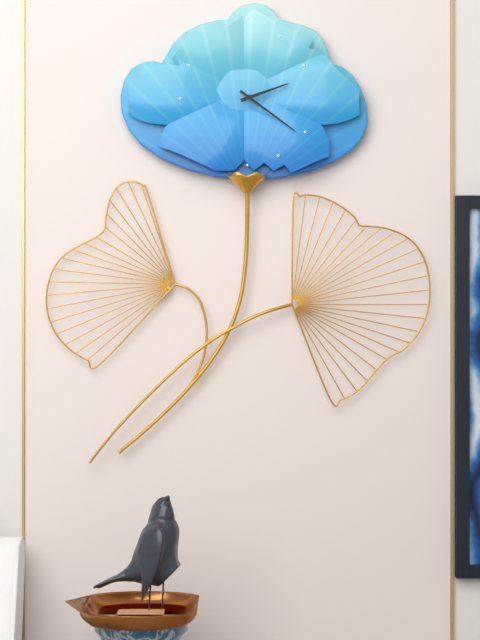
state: 2:21
